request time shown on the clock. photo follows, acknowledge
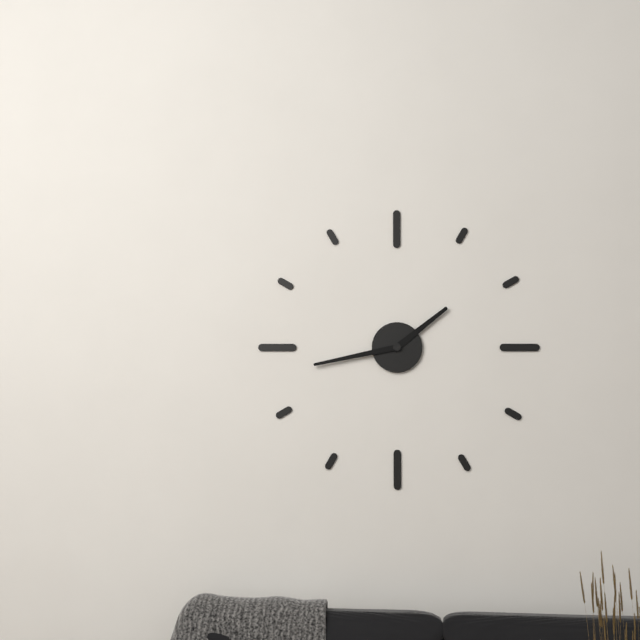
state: 1:43
